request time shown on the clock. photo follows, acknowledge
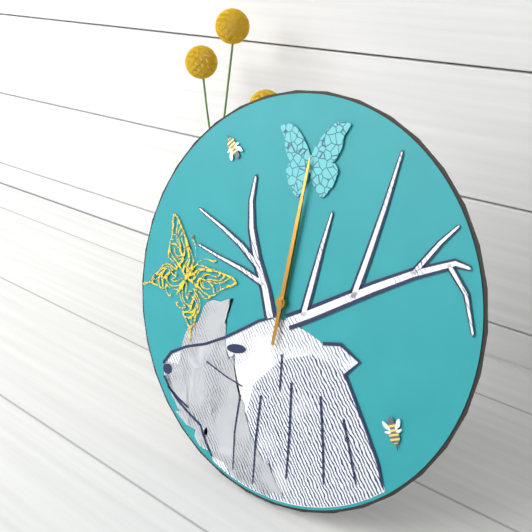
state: 12:00
